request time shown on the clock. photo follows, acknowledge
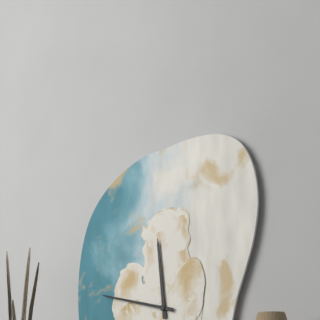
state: 11:47
